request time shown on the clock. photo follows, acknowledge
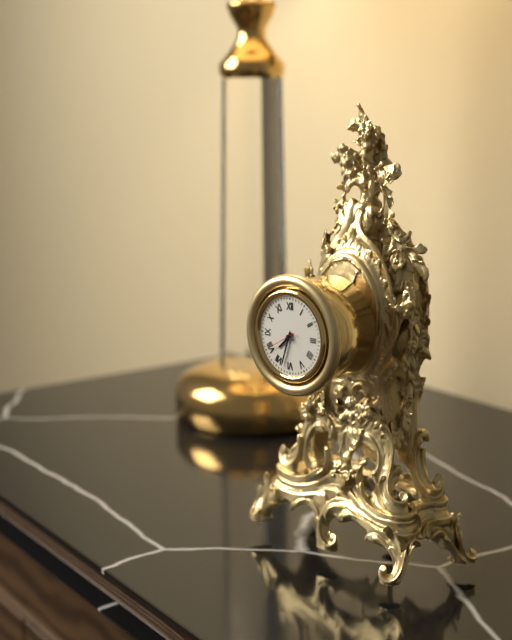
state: 7:33
